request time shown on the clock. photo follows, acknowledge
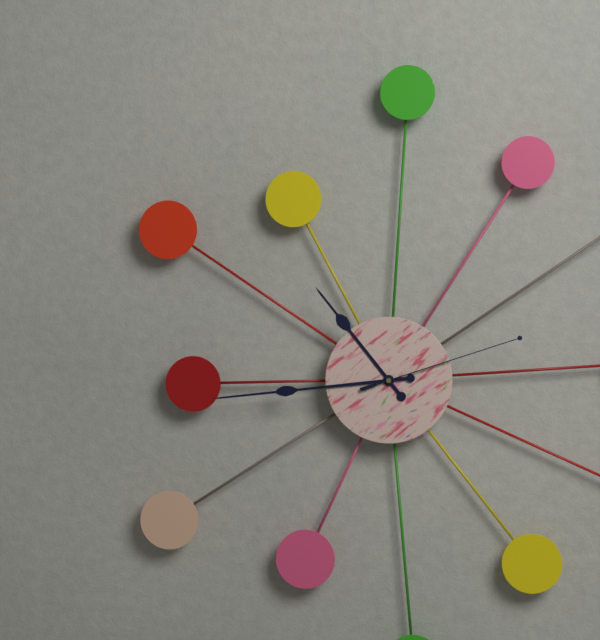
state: 10:44:12
